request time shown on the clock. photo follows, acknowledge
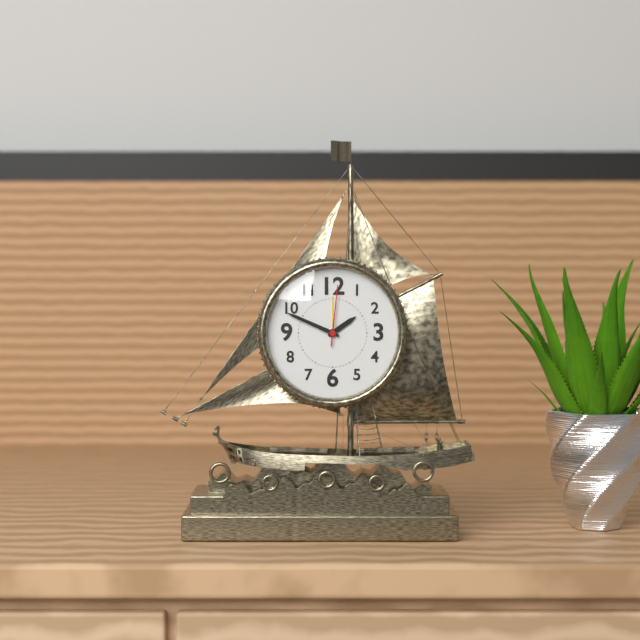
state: 1:49:01
